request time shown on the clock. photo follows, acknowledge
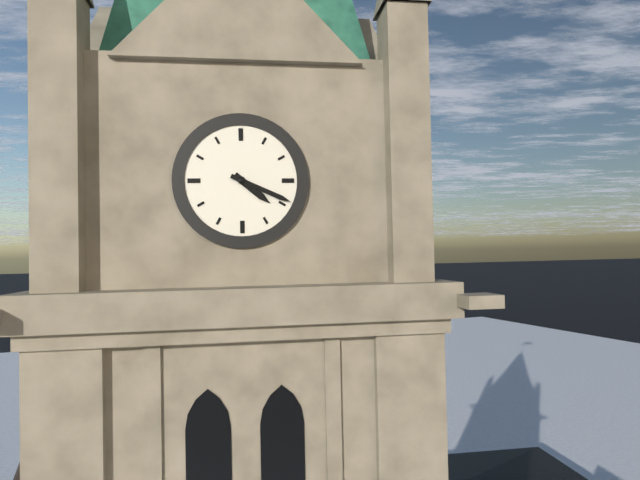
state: 4:19
